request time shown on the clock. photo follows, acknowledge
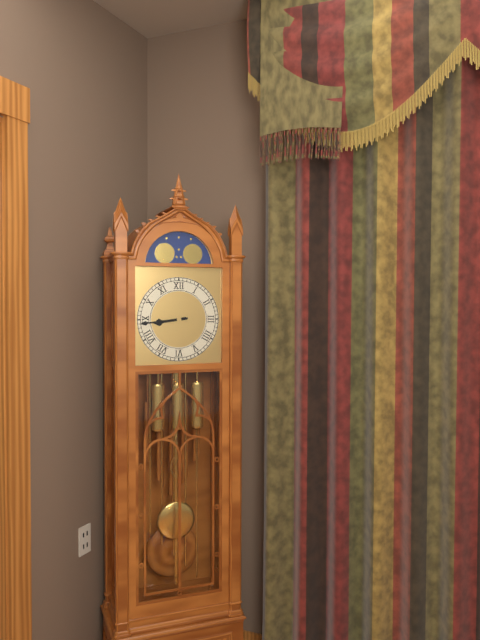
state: 8:44
